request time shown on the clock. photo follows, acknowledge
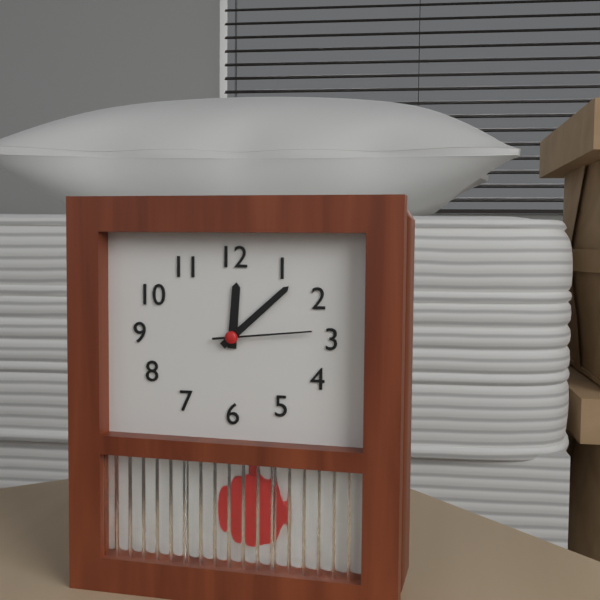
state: 12:08:14
